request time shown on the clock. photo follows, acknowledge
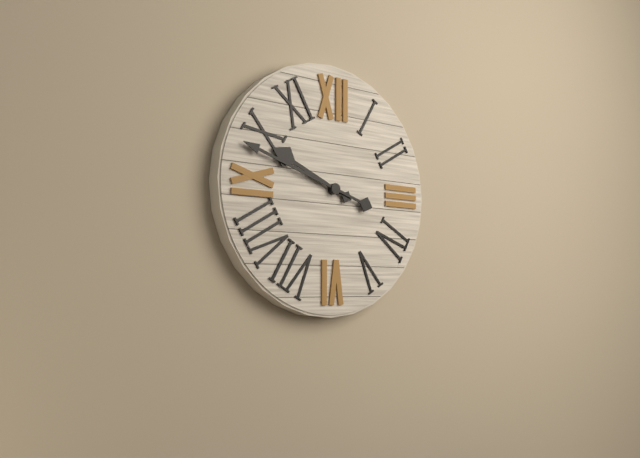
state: 9:48
